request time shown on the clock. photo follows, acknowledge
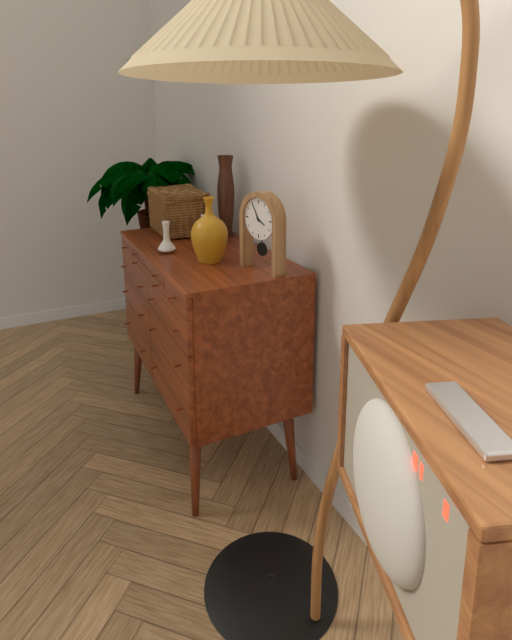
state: 3:55
